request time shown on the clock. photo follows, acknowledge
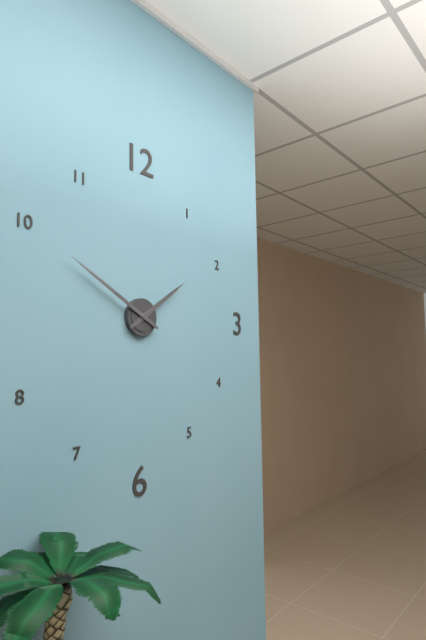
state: 1:50
